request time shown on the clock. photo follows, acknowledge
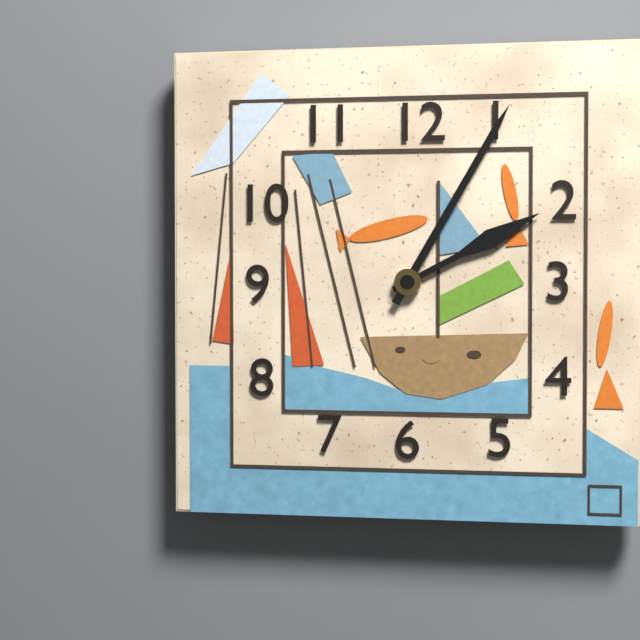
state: 2:05
